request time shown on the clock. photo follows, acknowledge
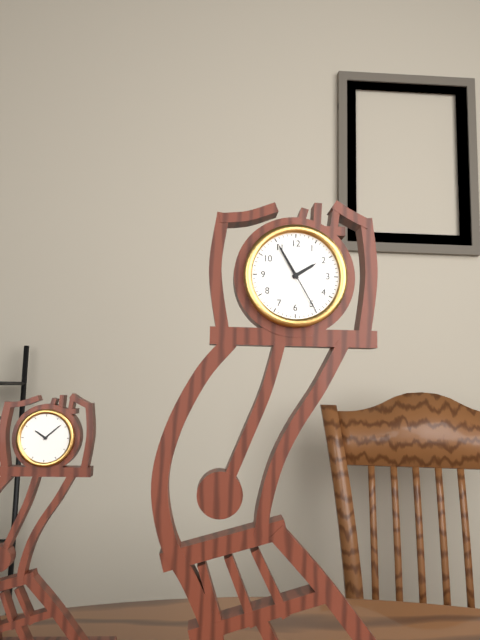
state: 1:55
